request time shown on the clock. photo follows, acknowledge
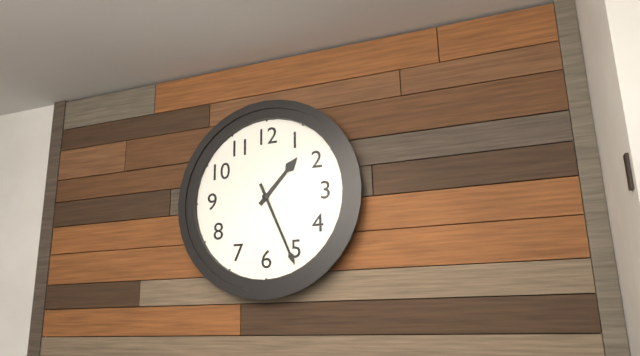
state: 1:26
